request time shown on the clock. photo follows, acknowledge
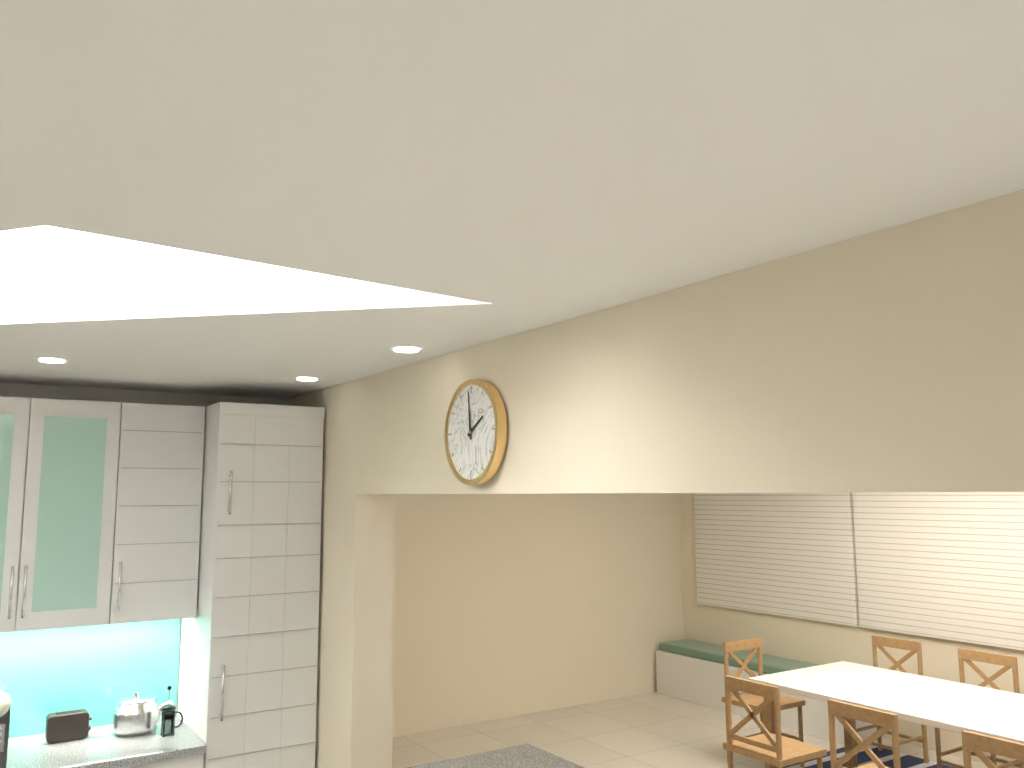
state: 1:59
